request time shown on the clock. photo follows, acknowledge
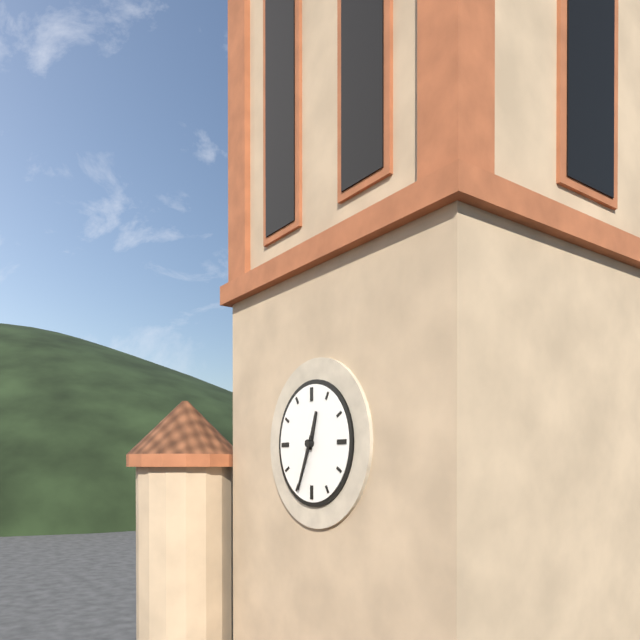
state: 12:34
